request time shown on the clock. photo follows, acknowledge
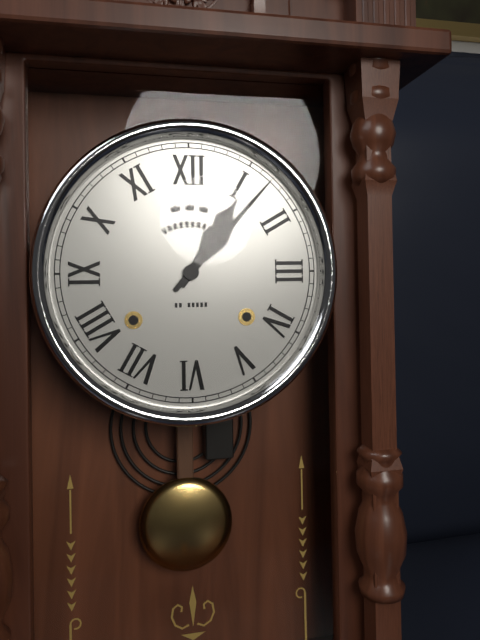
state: 1:07
